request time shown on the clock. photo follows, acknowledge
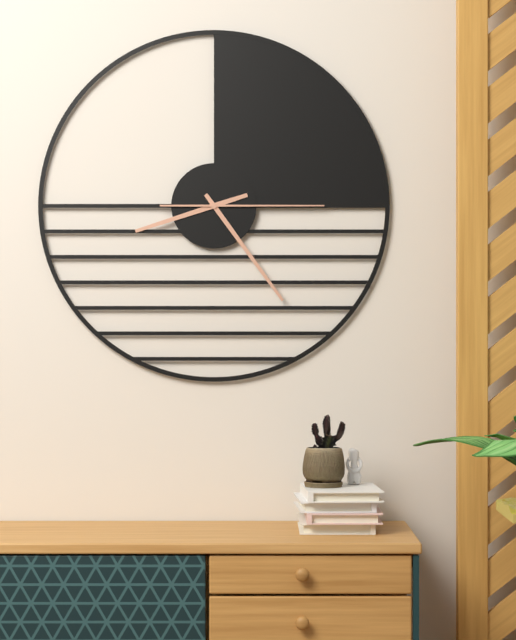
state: 8:24:15
